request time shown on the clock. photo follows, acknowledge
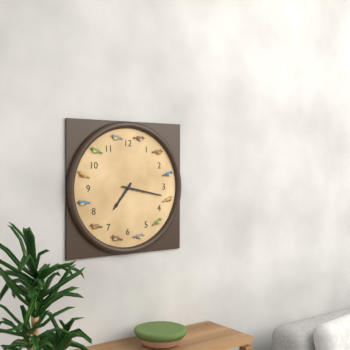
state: 7:17
